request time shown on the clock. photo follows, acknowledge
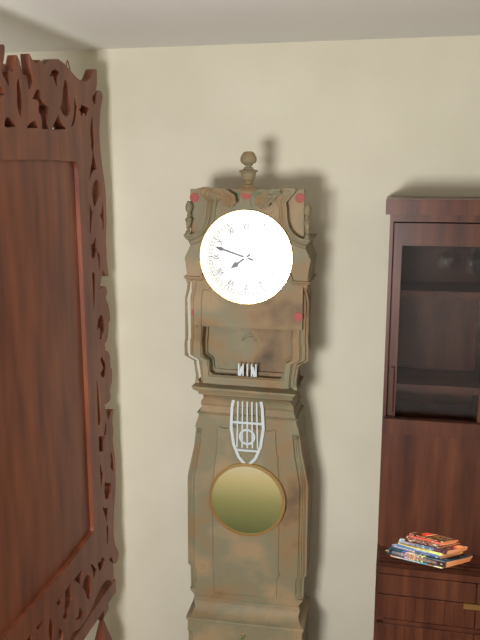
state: 7:48
